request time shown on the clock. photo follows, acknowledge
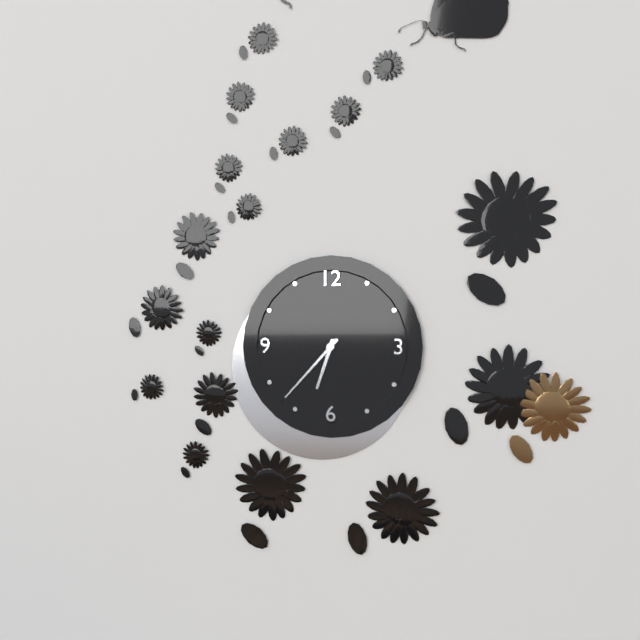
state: 6:37
